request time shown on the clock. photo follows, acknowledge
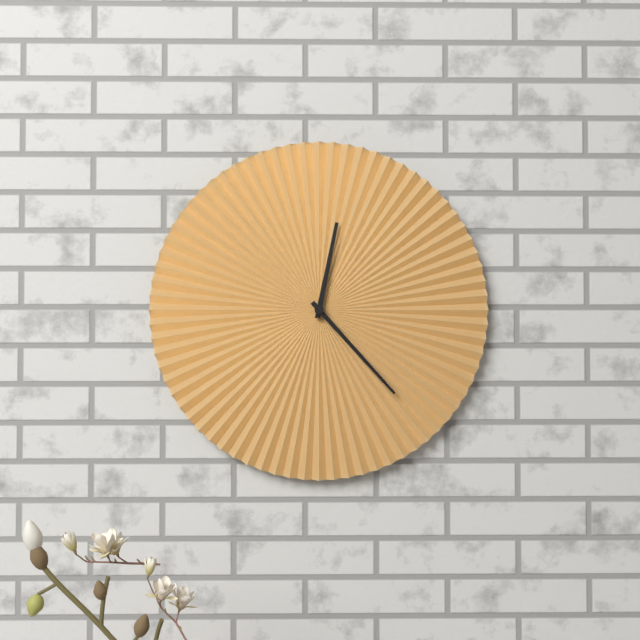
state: 12:23
